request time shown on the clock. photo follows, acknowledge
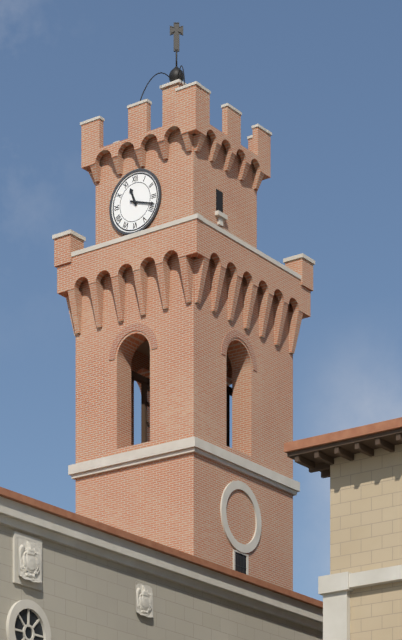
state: 11:18
